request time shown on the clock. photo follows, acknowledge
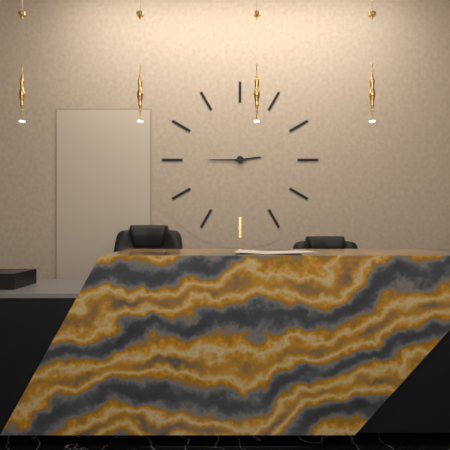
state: 2:45
